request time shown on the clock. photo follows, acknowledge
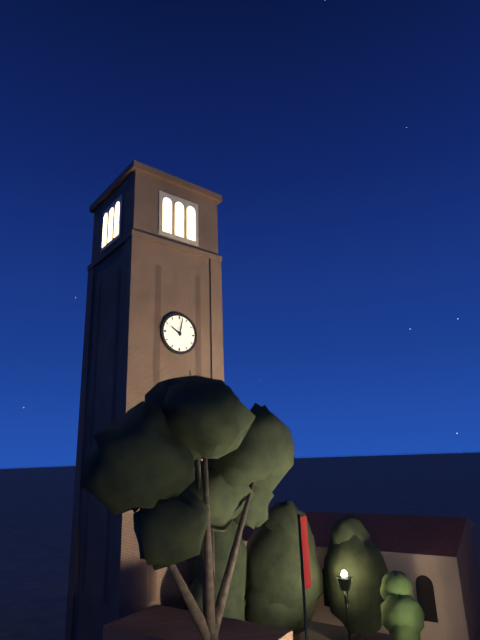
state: 10:02
